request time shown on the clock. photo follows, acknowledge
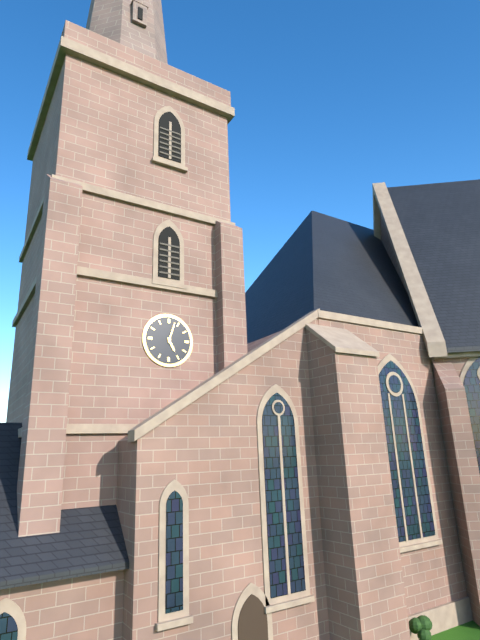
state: 5:03
